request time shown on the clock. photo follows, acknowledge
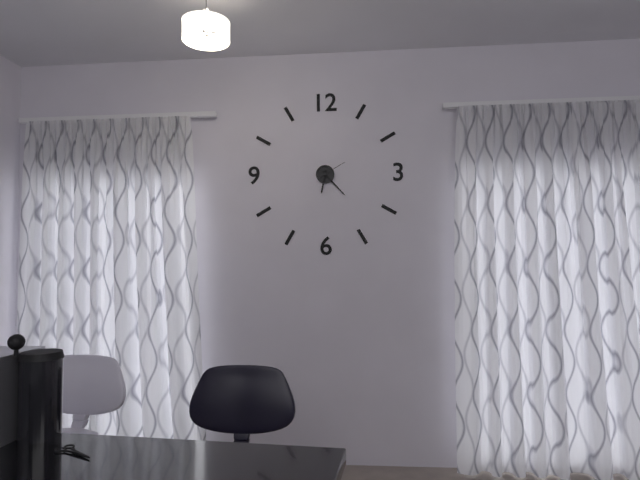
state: 6:23
